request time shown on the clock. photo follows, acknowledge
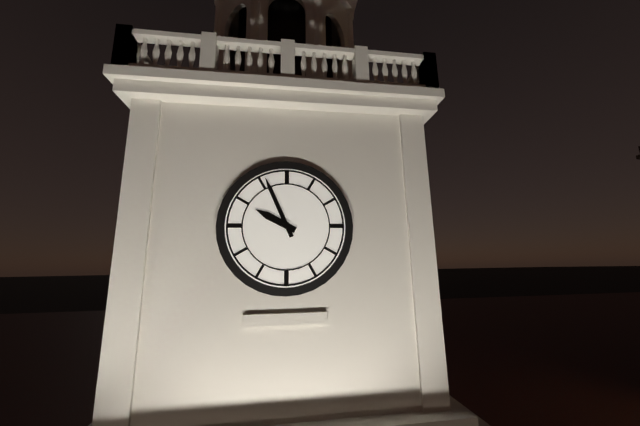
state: 9:56
